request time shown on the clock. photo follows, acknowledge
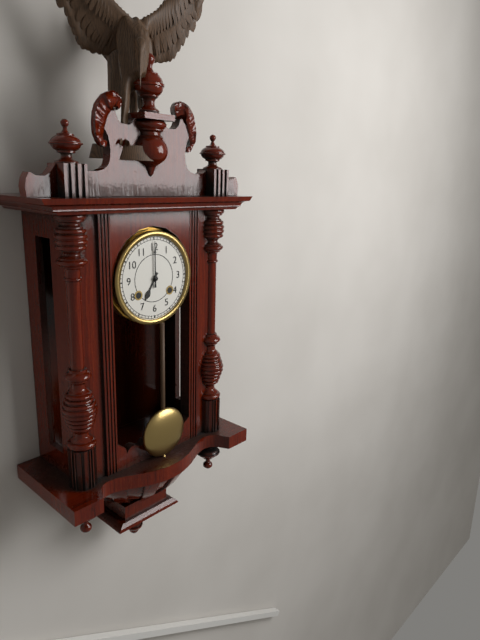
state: 7:00
